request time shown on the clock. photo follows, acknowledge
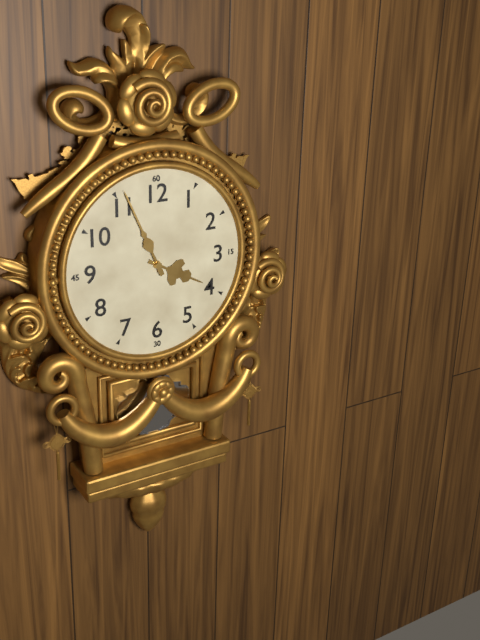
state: 3:56
